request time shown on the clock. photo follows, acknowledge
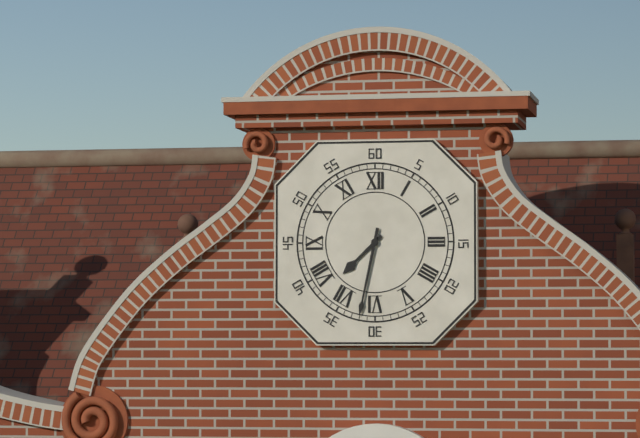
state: 7:32
